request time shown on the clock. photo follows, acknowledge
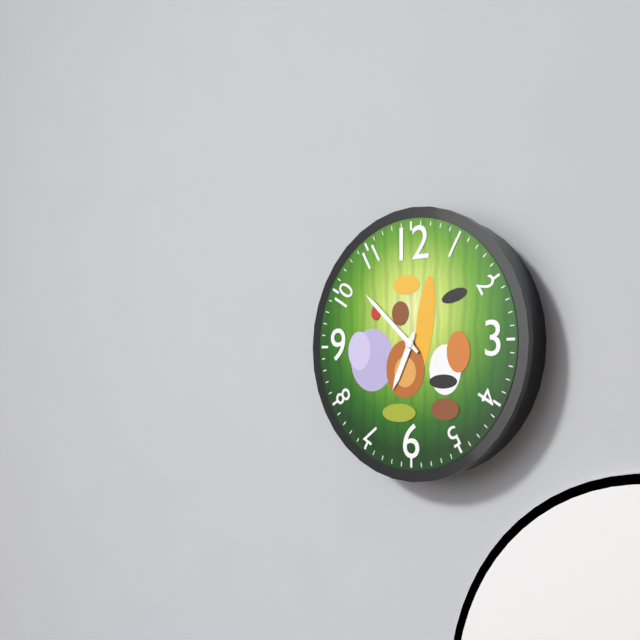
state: 6:52
